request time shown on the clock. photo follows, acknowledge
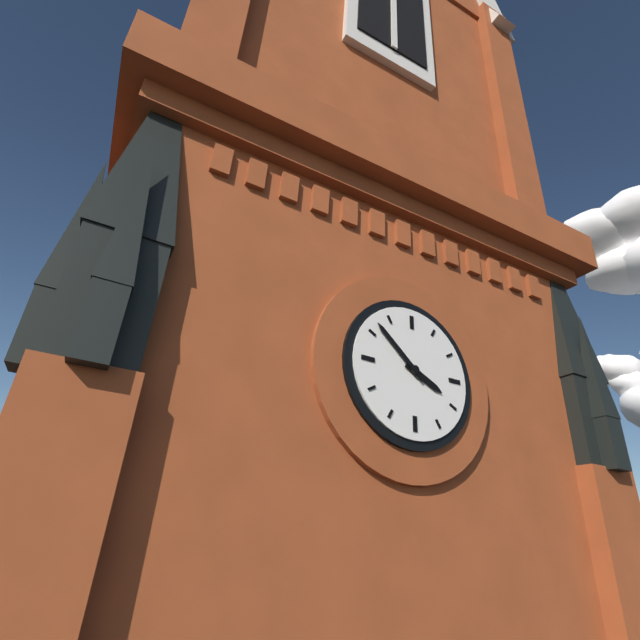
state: 3:52
